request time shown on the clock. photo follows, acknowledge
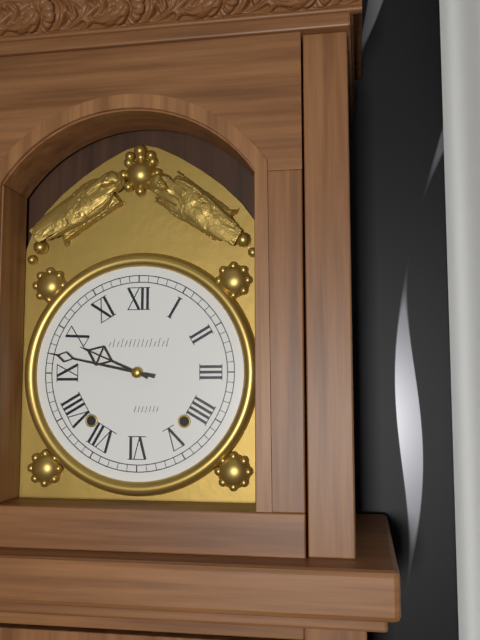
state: 9:47
